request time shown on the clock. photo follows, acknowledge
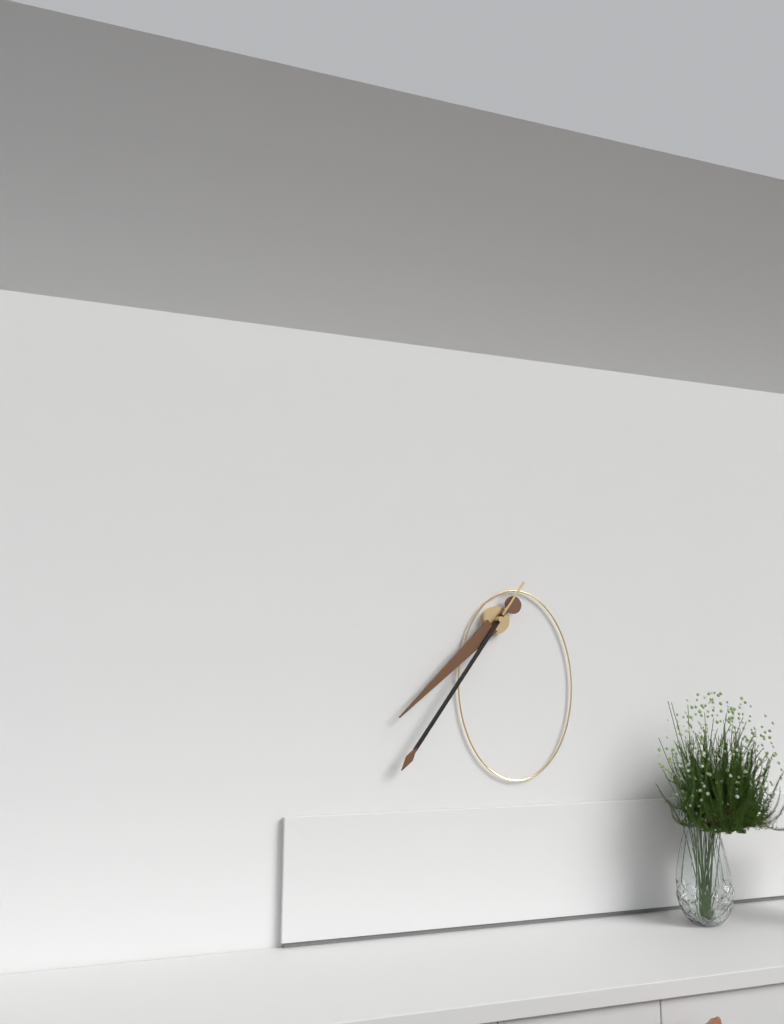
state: 7:36
